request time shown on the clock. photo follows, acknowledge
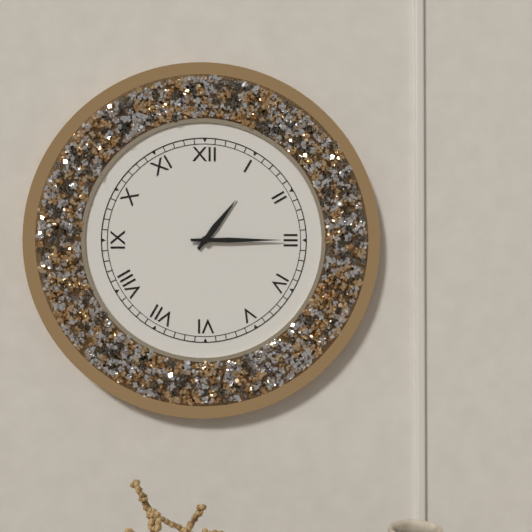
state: 1:15
